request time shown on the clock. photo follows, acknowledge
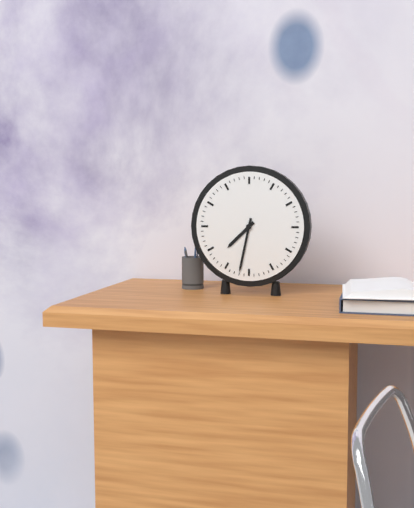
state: 7:32
